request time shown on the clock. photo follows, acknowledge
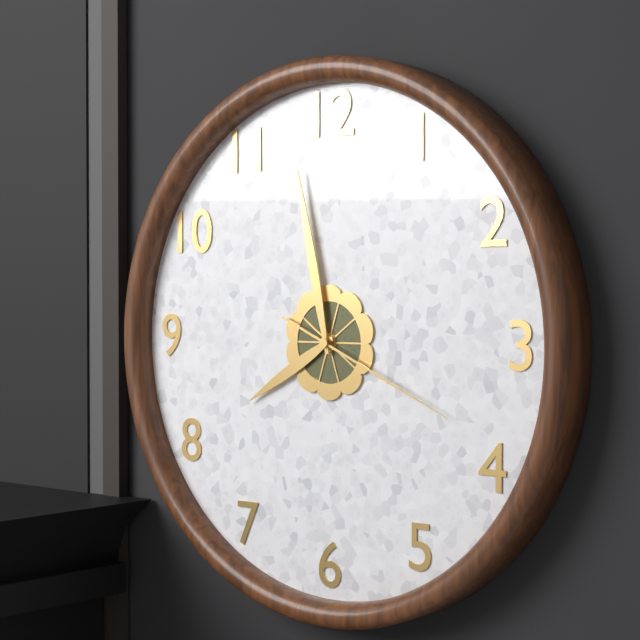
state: 7:58:19
